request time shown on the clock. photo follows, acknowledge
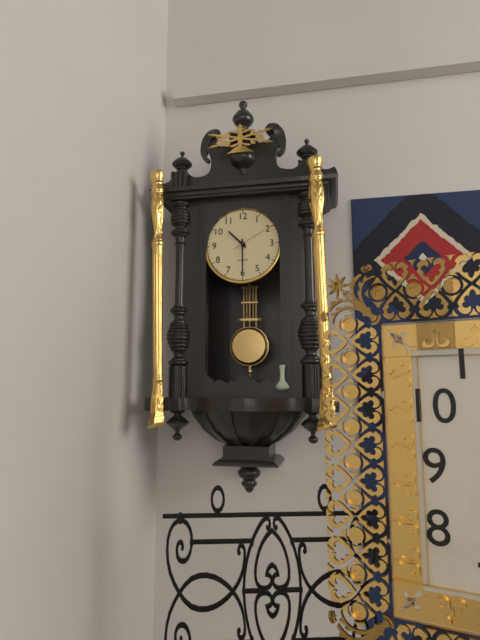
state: 10:30
